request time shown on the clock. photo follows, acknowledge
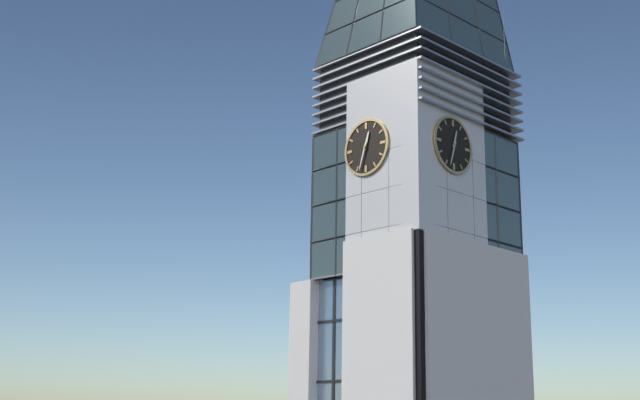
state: 12:33
